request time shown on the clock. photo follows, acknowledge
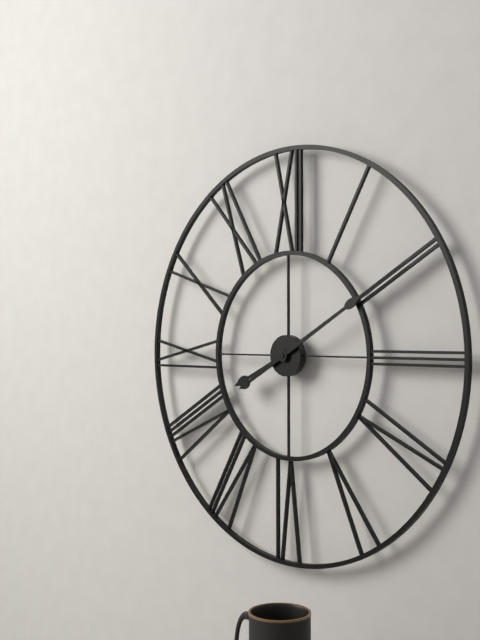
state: 8:10
